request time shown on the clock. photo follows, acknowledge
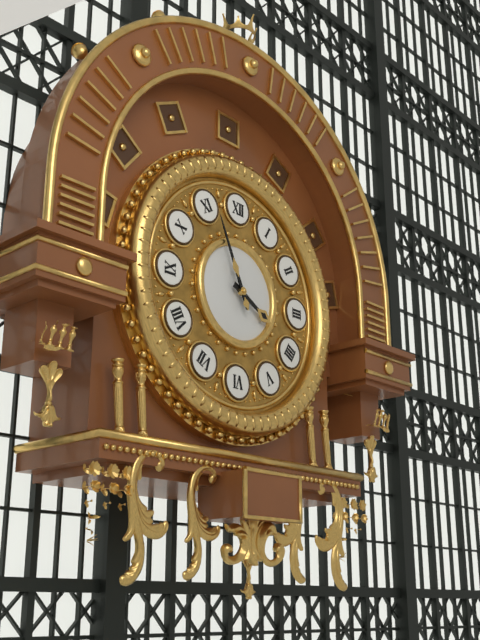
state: 3:56
